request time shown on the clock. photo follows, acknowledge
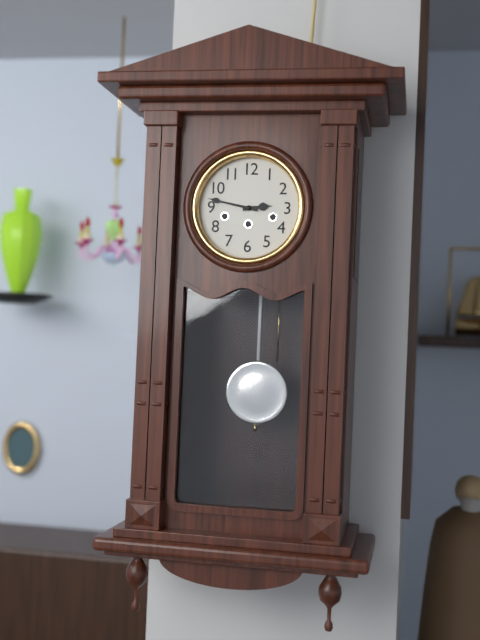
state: 2:47
